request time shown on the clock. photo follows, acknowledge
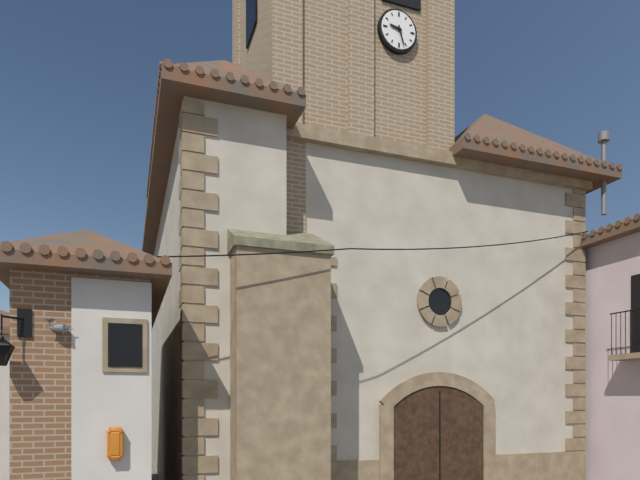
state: 9:27
